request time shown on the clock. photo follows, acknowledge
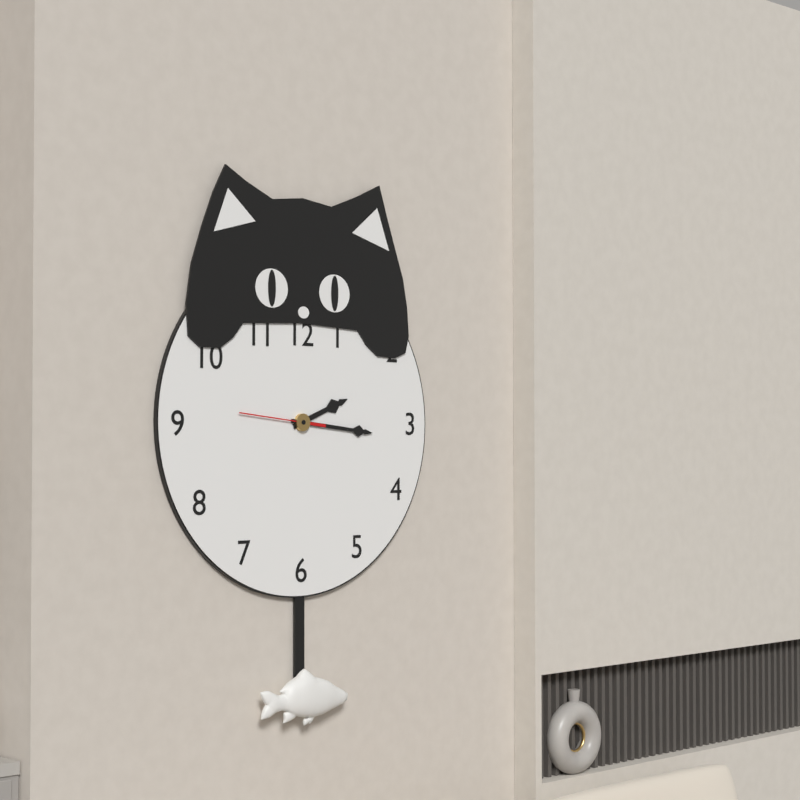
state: 2:16:46
